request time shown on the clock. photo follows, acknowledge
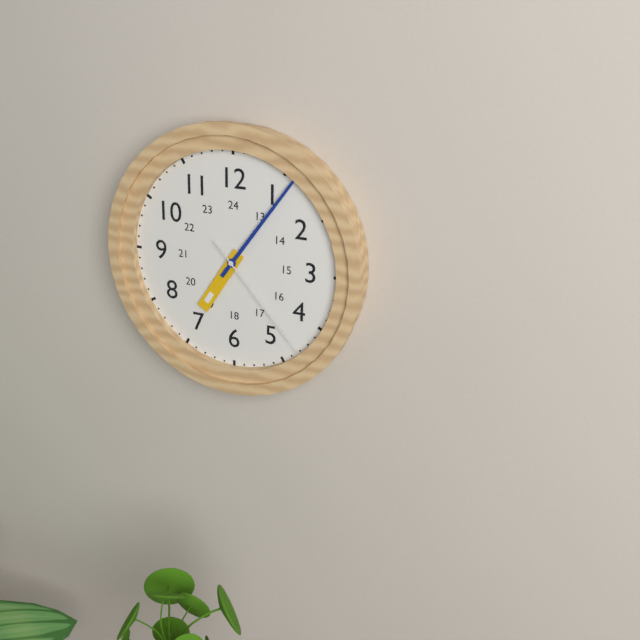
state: 7:06:23
